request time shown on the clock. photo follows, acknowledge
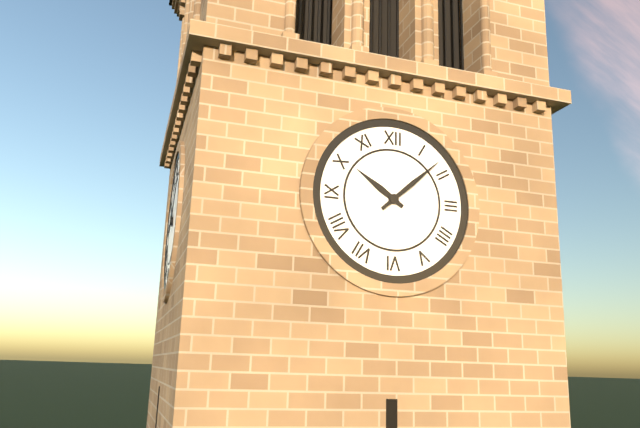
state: 10:08
